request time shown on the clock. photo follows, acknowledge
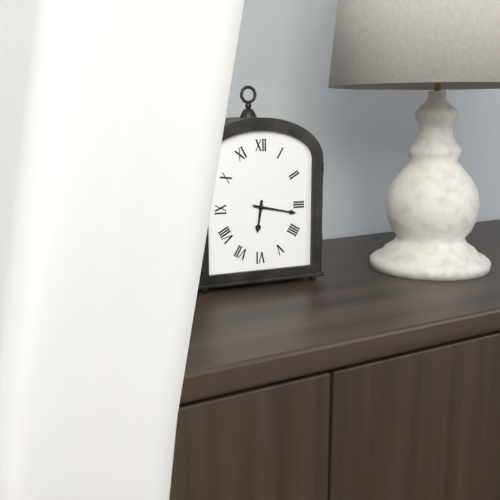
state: 6:17
